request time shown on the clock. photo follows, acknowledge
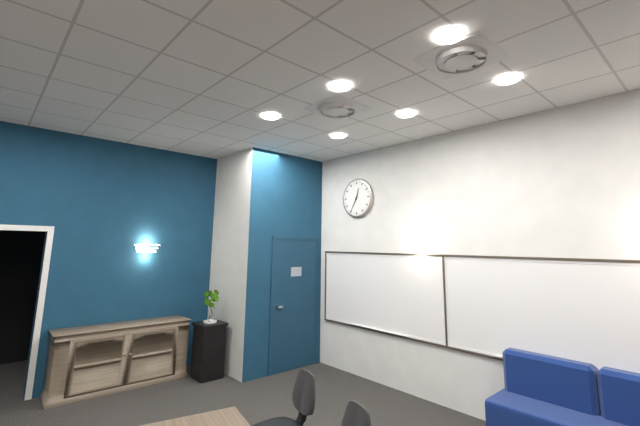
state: 12:35
